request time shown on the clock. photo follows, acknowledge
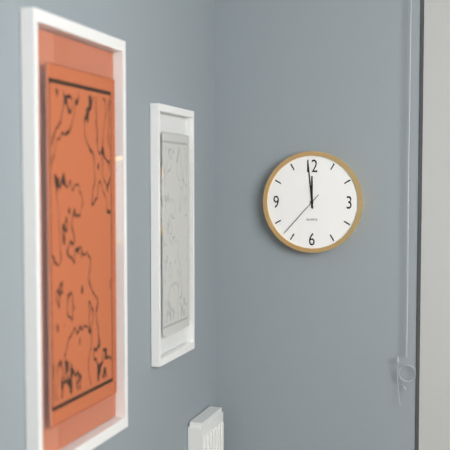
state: 11:59:37
